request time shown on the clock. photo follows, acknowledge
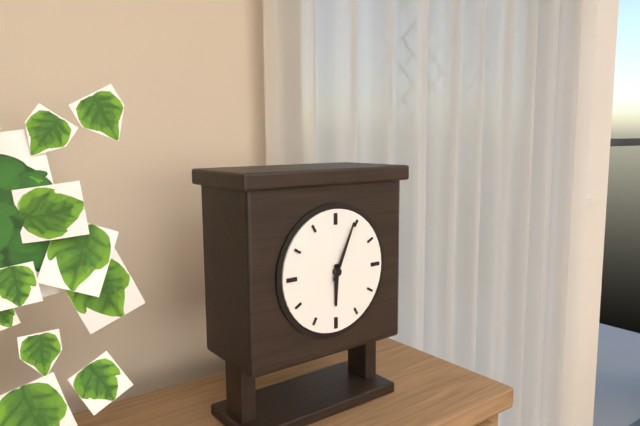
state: 6:04
